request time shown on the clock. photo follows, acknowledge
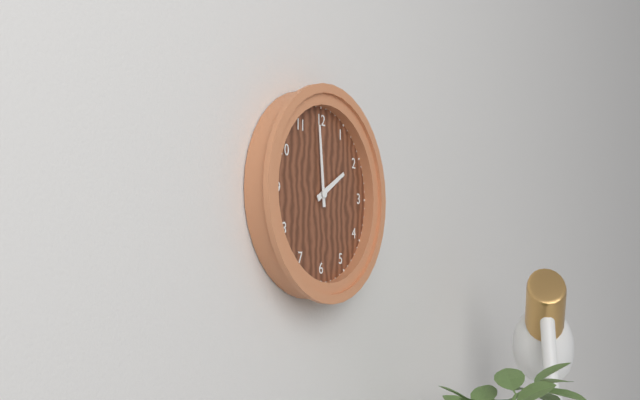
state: 1:59
